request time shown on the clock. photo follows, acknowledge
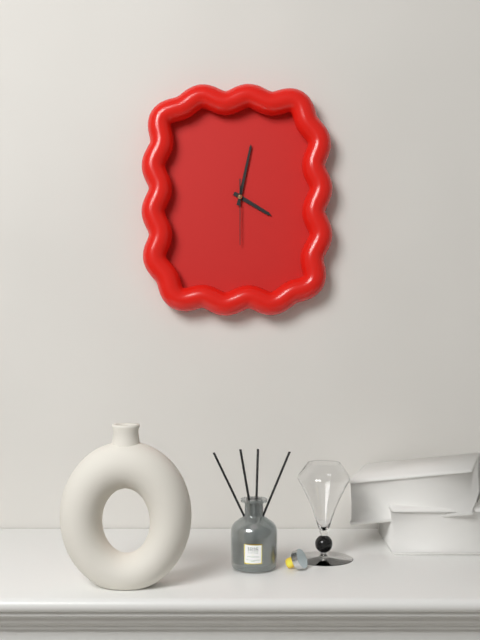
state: 4:02:30
